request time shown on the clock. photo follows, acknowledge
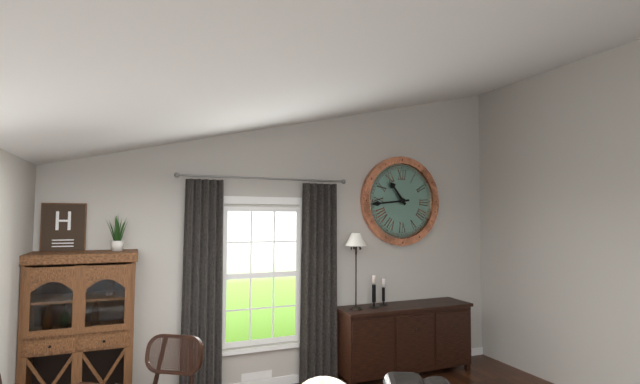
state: 10:44
